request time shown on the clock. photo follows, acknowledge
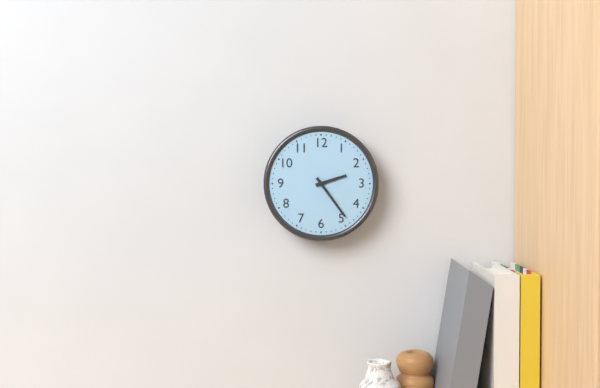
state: 2:24
